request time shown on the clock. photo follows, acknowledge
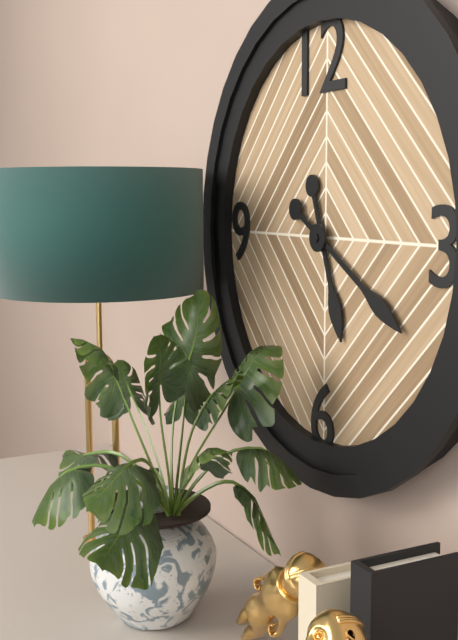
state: 5:20
